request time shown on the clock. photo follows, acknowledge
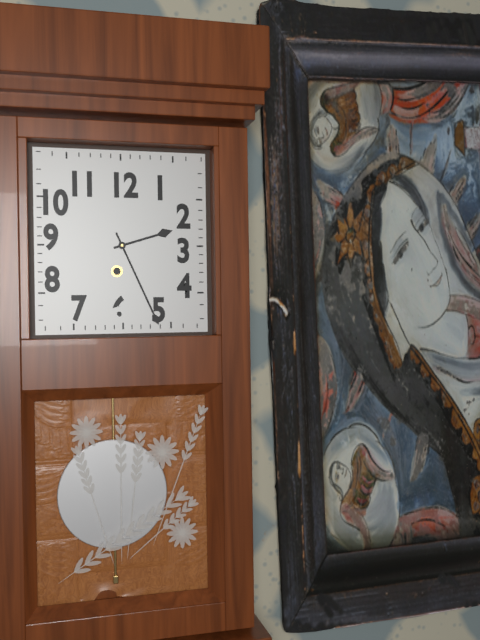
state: 2:26
